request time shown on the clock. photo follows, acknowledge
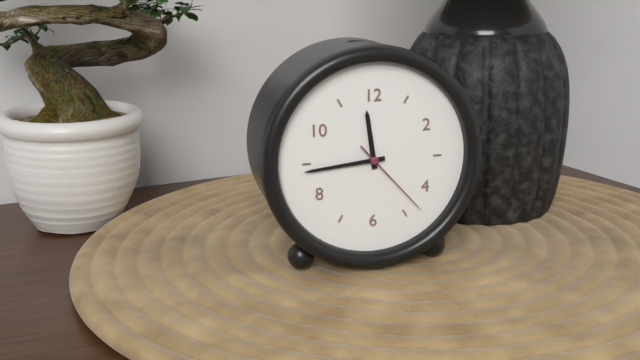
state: 11:44:23
